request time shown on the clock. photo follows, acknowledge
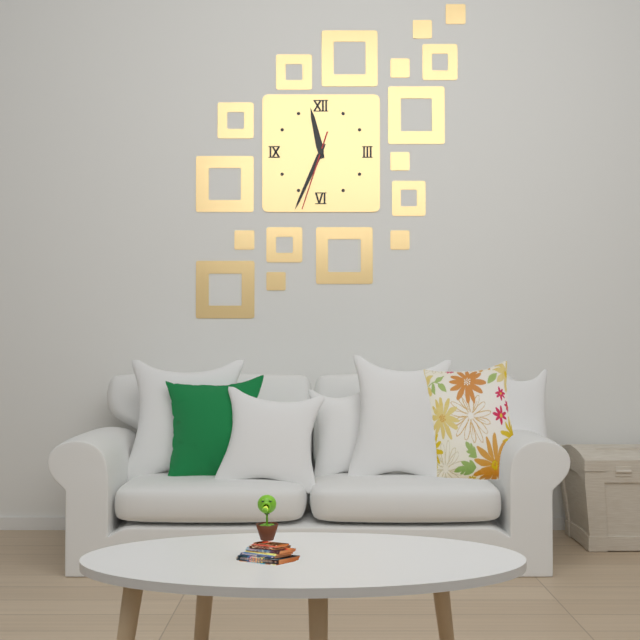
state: 11:34:33
